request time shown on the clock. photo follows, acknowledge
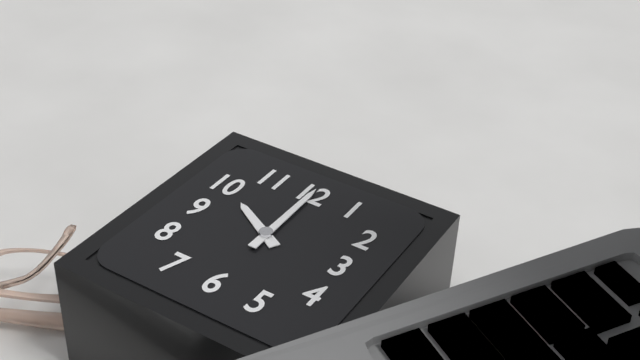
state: 10:00
